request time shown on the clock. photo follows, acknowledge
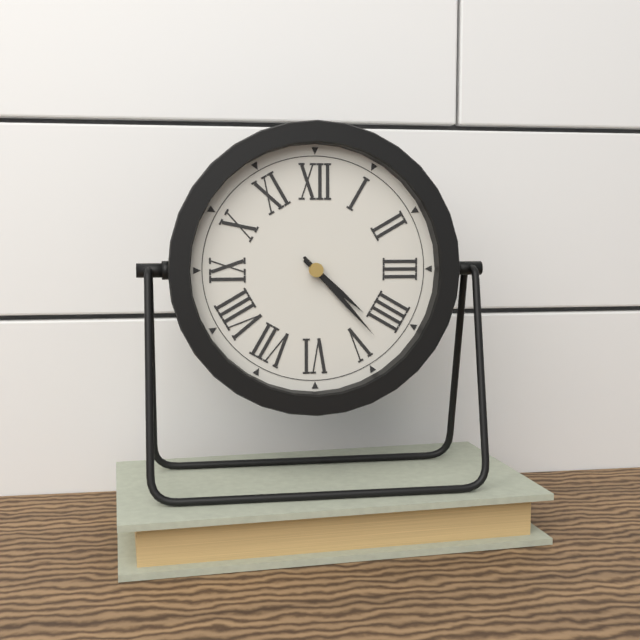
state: 4:23
